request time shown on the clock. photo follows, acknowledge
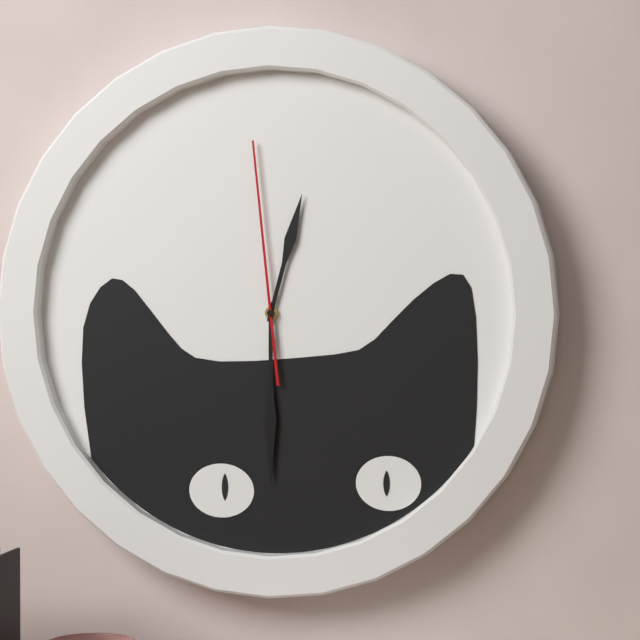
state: 12:30:59
